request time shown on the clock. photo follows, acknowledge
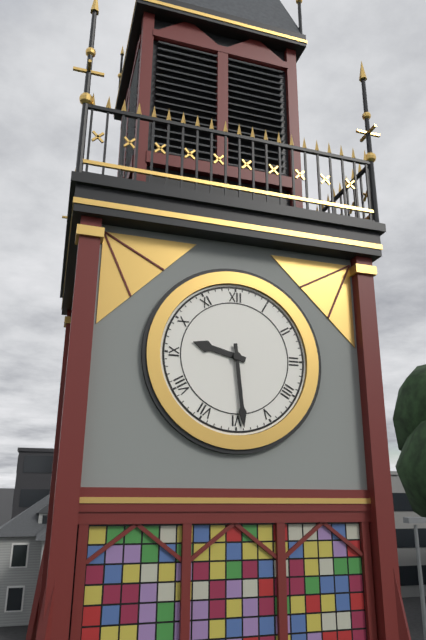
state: 9:29
